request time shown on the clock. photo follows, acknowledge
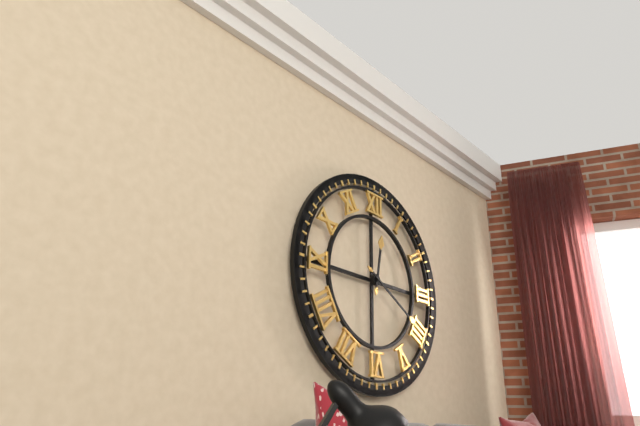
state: 12:20
